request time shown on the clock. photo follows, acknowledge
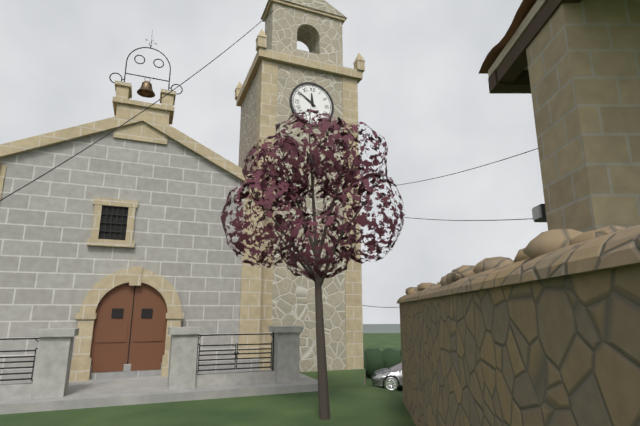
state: 11:51
